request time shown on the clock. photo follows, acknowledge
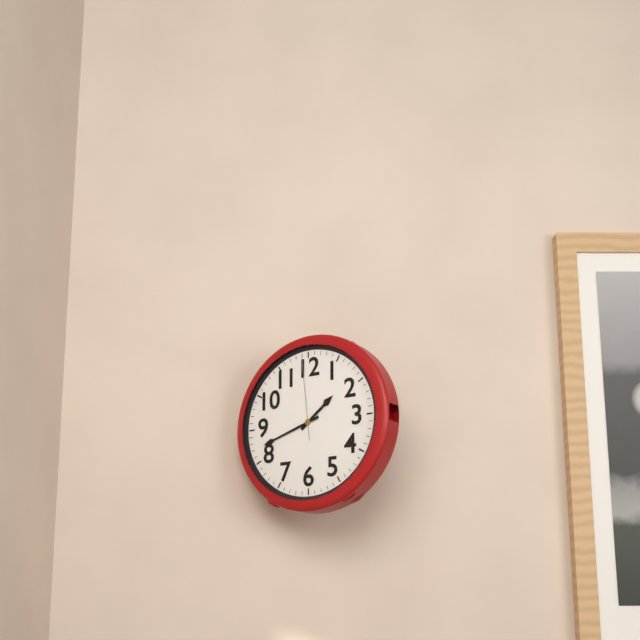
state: 1:42:59
